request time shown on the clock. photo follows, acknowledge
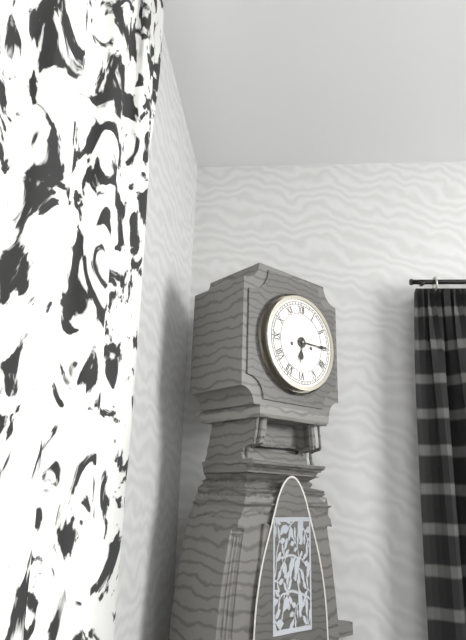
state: 6:15
